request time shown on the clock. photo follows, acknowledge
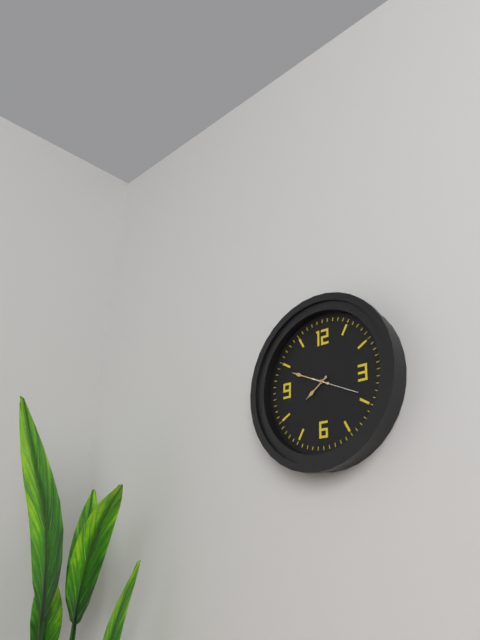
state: 7:49
